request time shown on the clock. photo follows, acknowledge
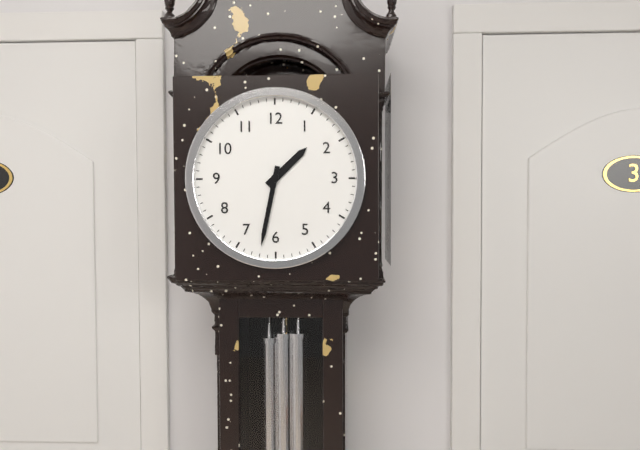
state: 1:32
